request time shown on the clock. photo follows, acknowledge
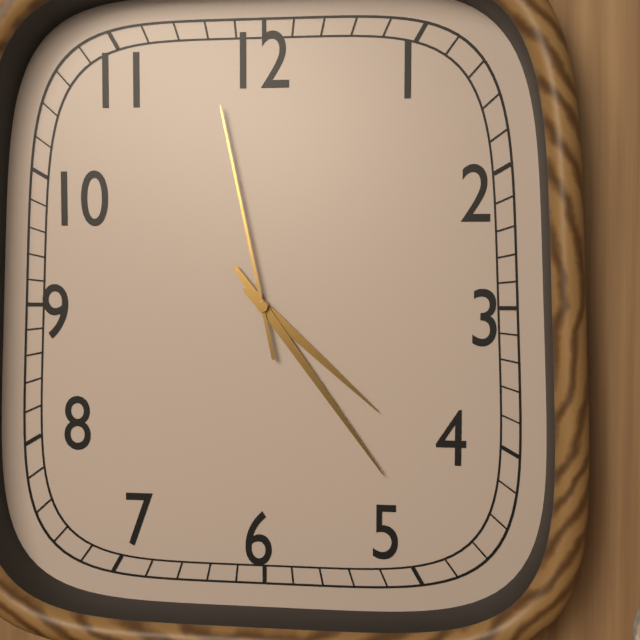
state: 4:24:58
